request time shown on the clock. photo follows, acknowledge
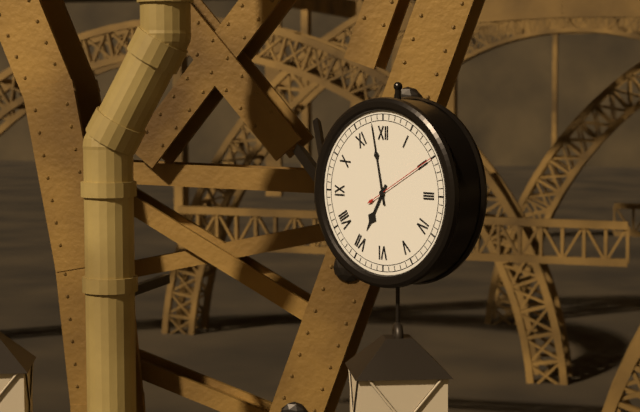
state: 6:58:10
